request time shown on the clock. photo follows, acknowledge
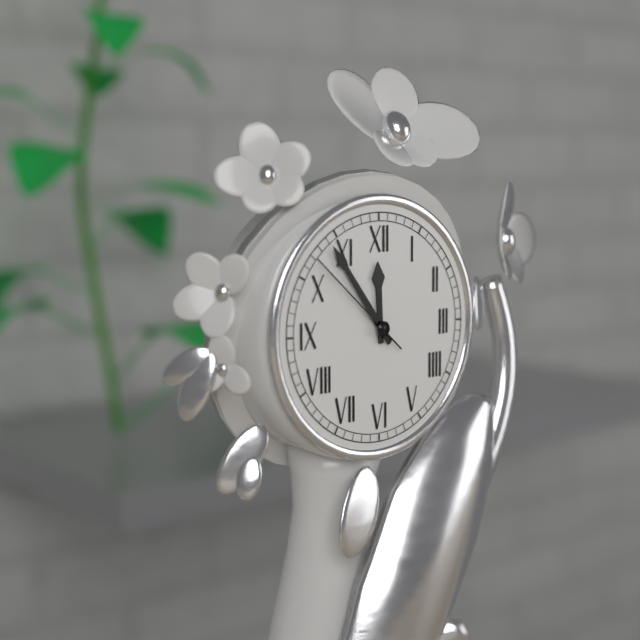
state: 11:54:52
